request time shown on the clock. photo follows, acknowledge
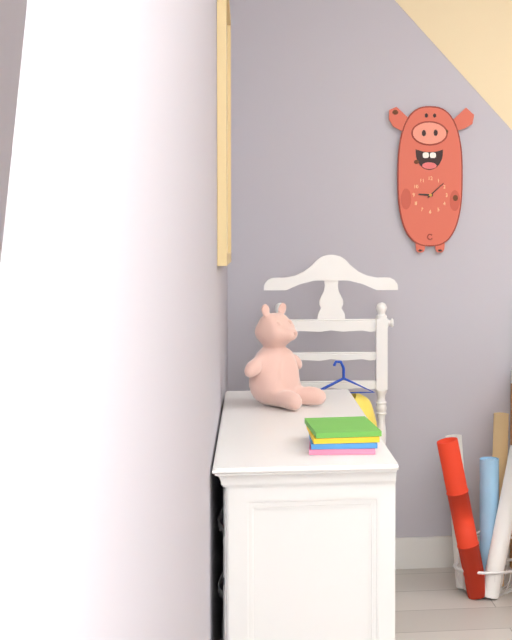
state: 9:08
